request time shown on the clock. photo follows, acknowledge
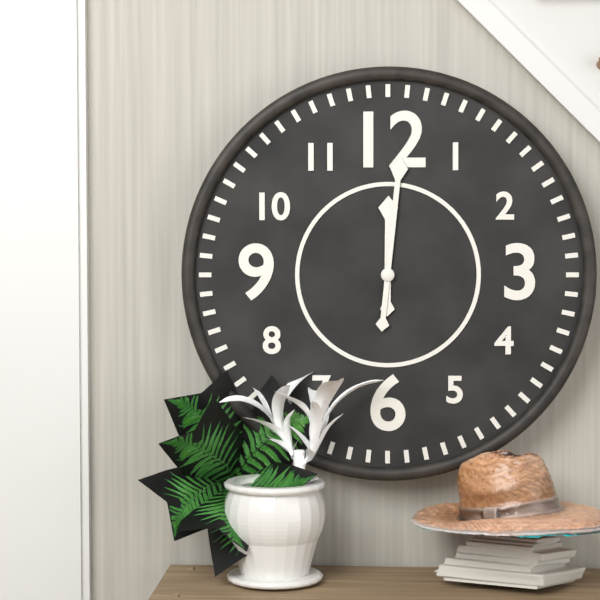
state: 12:01
